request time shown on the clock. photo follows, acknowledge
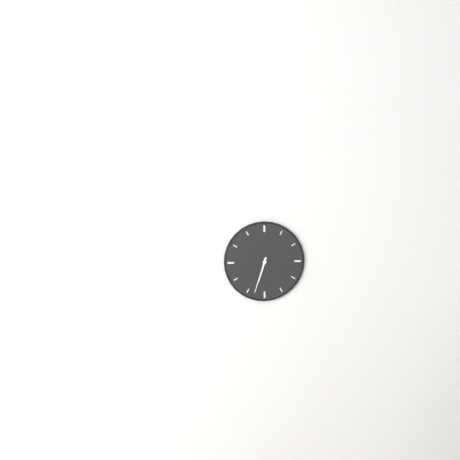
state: 6:33
